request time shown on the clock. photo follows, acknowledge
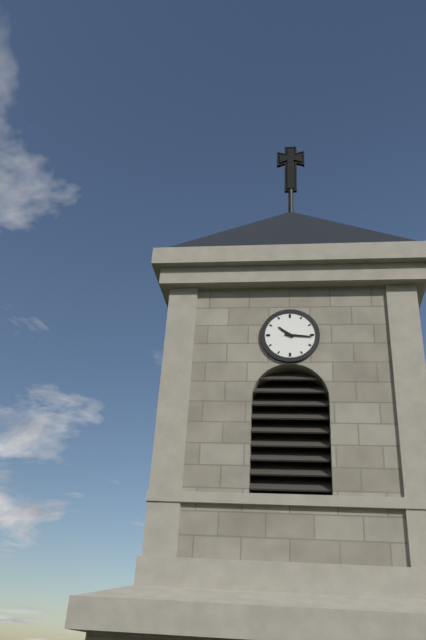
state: 10:16
